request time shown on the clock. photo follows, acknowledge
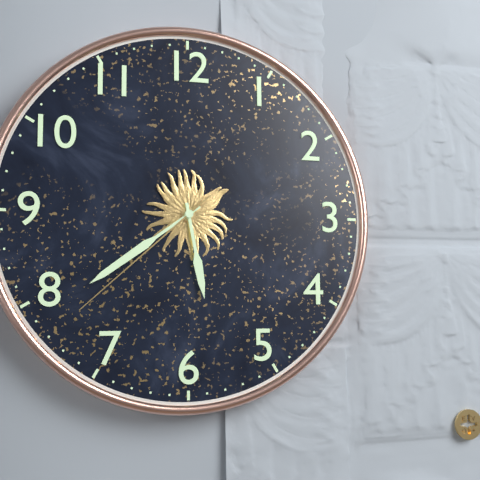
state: 5:39:38
